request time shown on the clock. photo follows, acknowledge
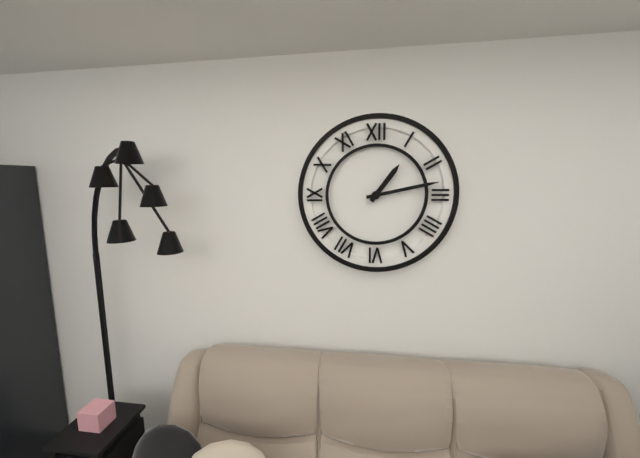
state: 1:13
